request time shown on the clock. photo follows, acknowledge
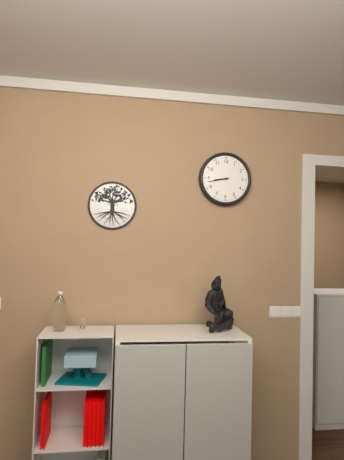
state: 8:43
